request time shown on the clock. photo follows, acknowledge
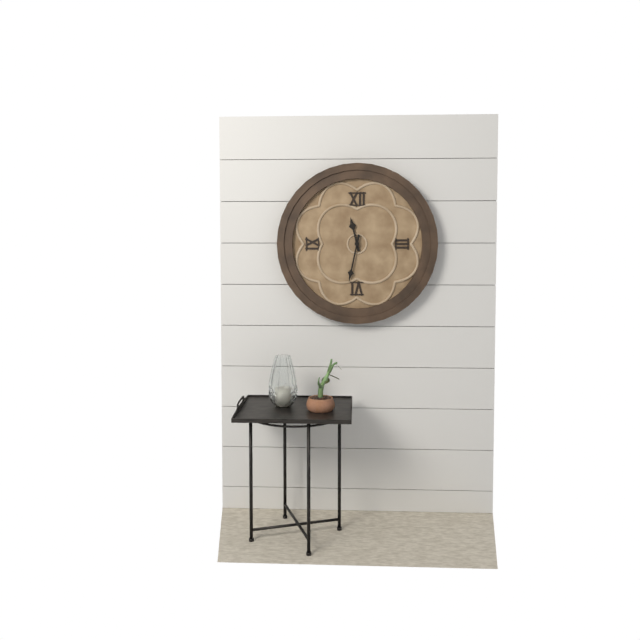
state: 11:32
